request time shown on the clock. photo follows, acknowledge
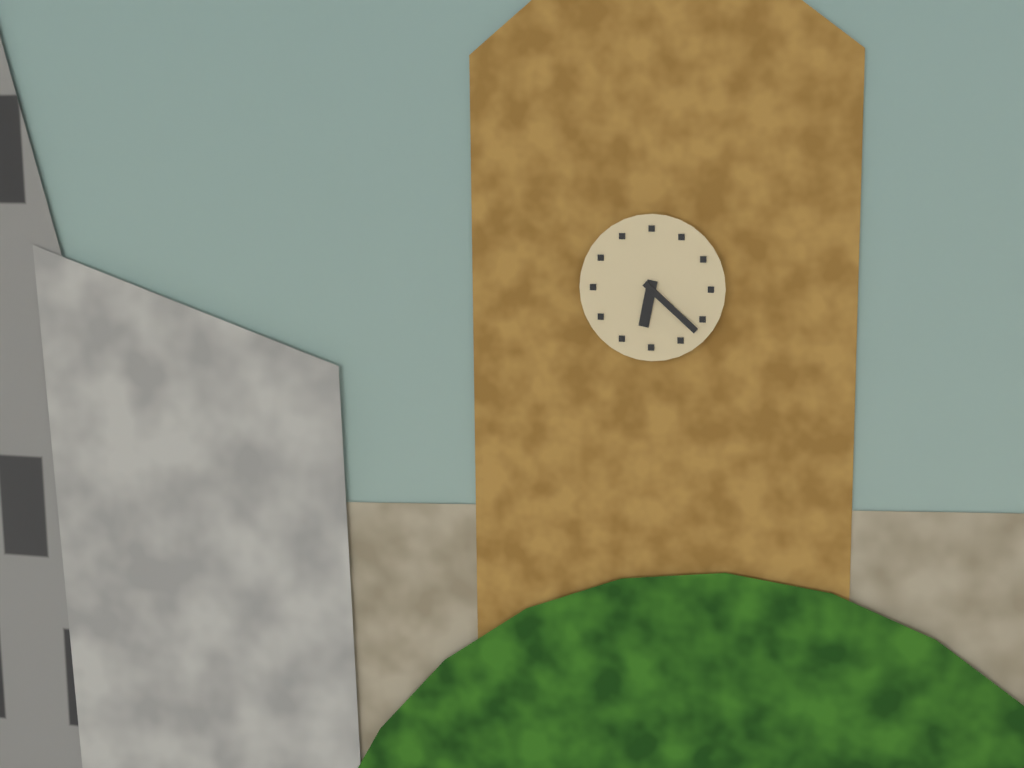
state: 6:22
